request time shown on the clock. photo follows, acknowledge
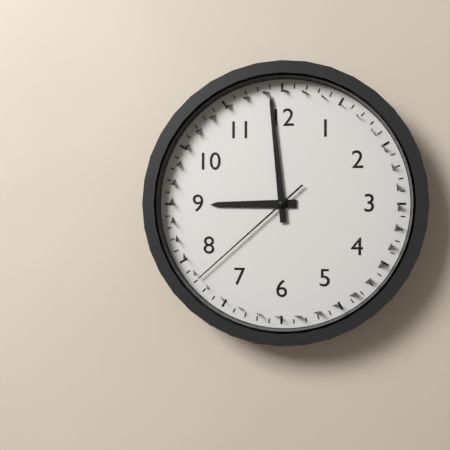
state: 8:59:38
